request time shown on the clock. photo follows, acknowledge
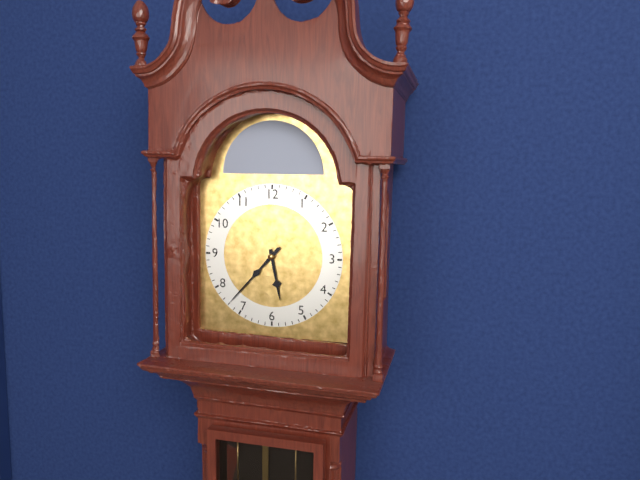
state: 5:37
